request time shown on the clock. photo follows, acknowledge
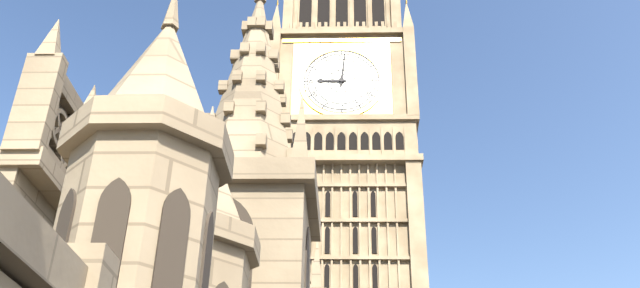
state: 9:01
